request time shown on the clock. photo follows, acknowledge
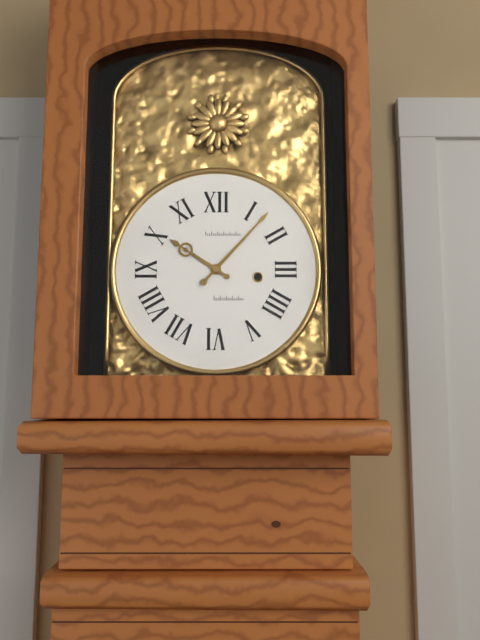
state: 10:07
